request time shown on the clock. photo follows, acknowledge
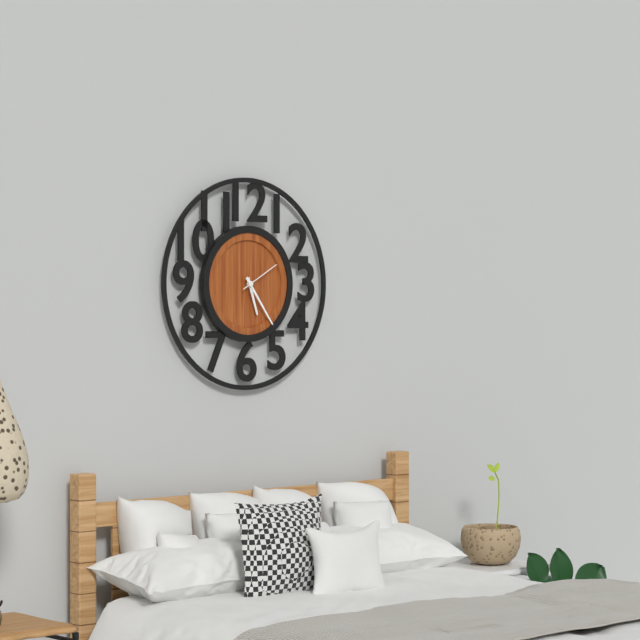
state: 5:24
